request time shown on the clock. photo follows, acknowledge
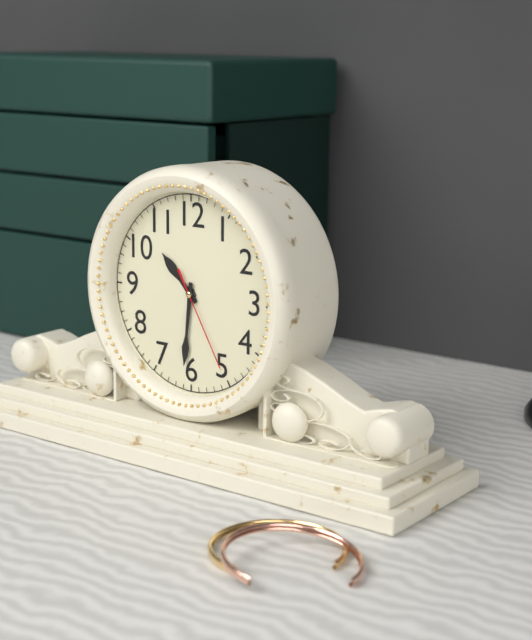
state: 10:31:25
